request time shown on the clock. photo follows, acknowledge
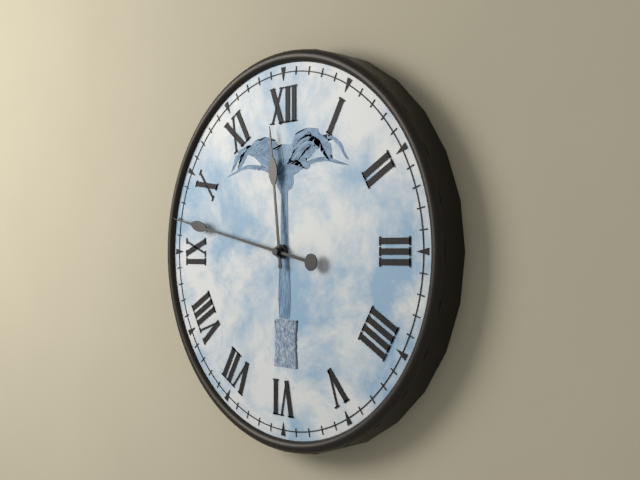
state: 11:47
